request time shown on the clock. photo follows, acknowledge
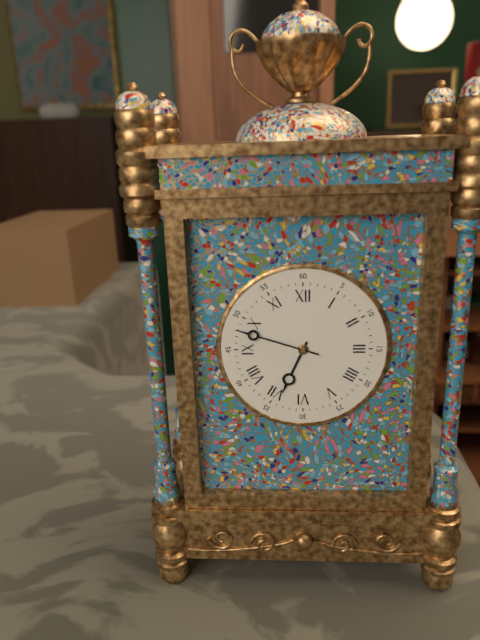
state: 6:48
